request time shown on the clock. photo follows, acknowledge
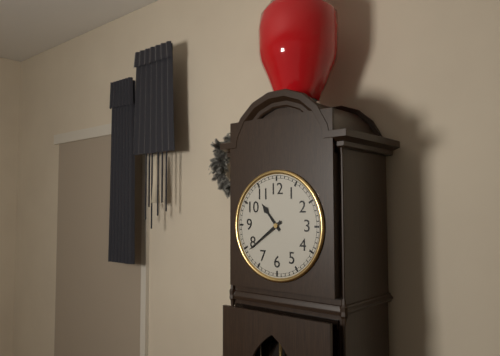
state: 10:39
